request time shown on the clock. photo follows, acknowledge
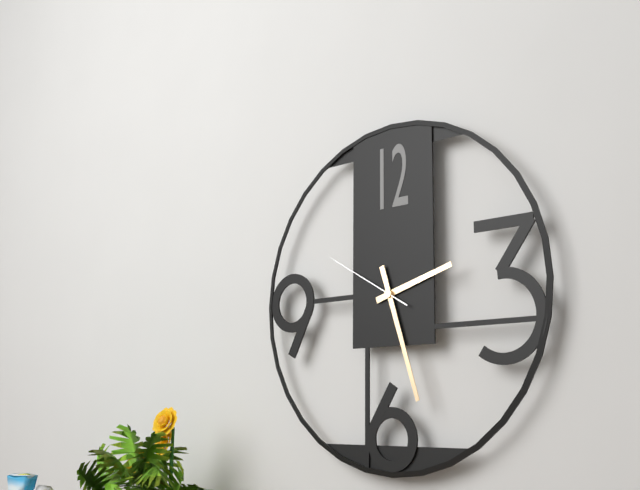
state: 2:27:50
